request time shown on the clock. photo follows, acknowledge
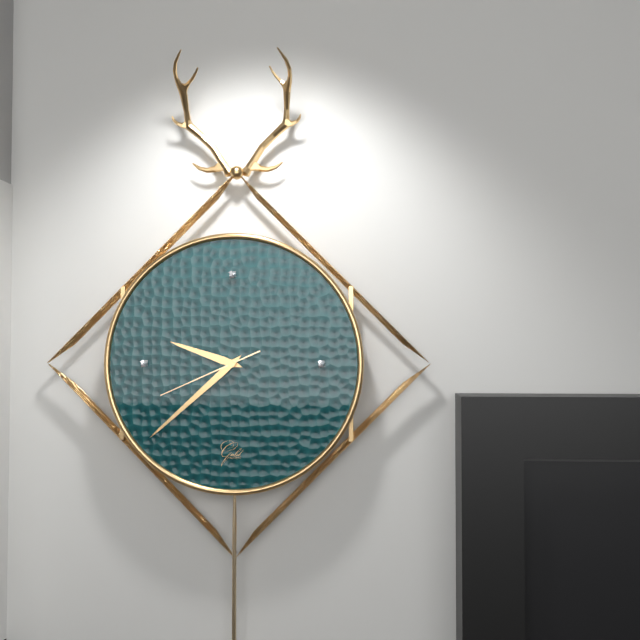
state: 9:38:41
